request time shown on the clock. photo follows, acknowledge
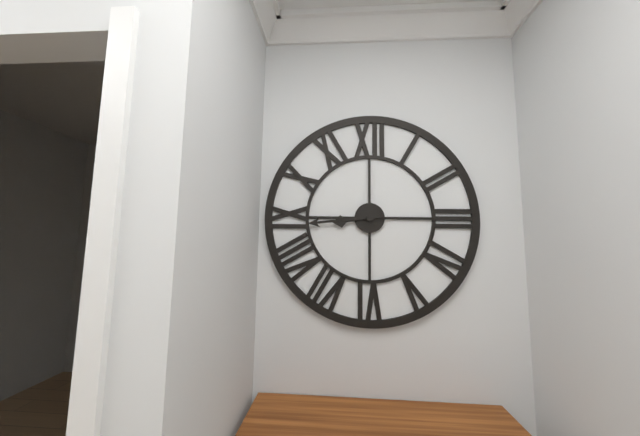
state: 8:44
